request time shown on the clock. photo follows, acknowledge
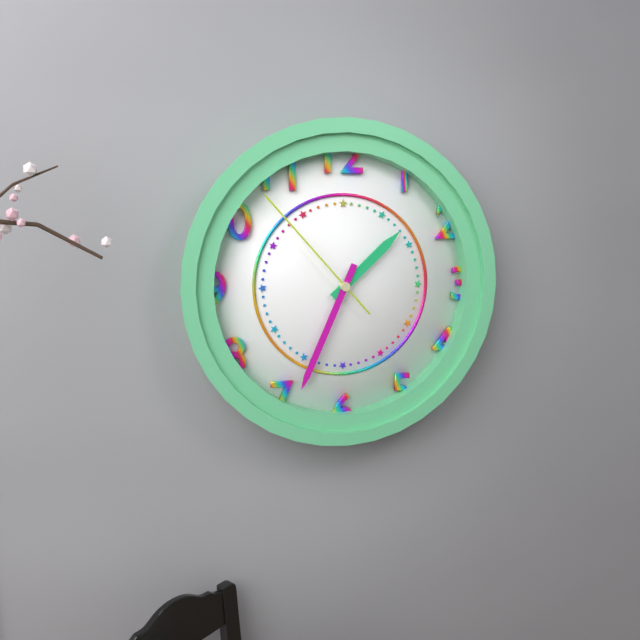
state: 1:34:53
